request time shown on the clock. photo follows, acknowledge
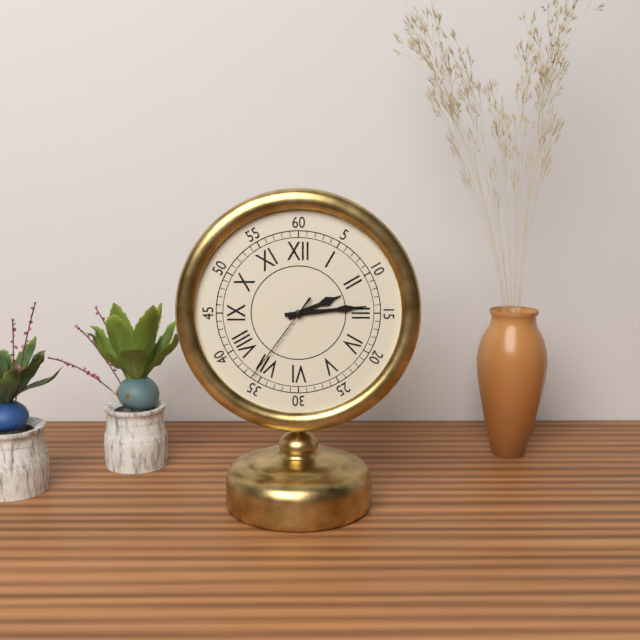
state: 2:14:36
